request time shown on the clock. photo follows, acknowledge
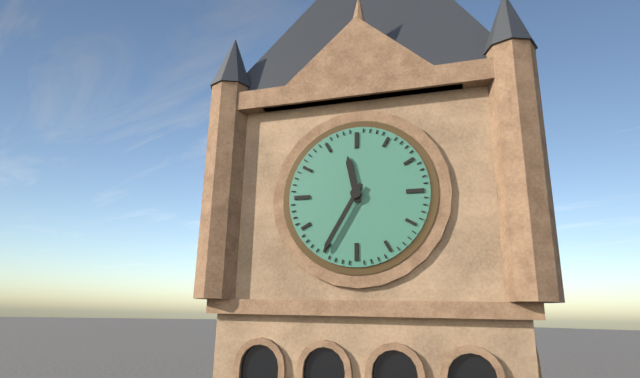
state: 11:35
